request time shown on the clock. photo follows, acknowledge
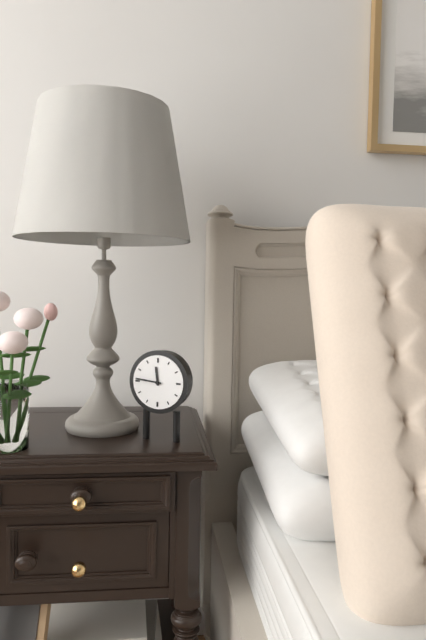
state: 11:46
